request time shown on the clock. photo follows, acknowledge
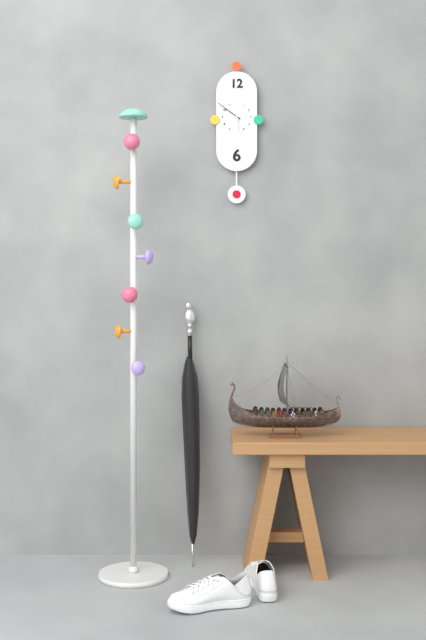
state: 5:51
